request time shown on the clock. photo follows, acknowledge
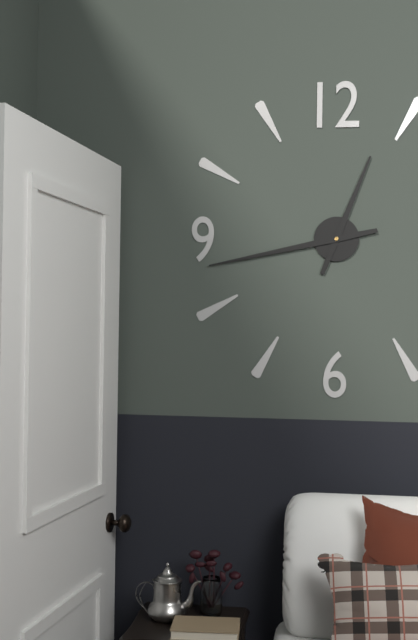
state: 12:43
